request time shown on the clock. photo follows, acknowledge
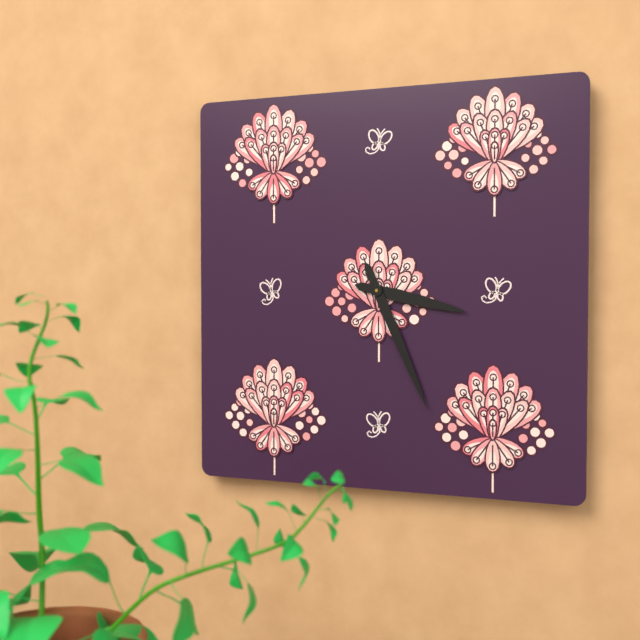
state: 3:26
